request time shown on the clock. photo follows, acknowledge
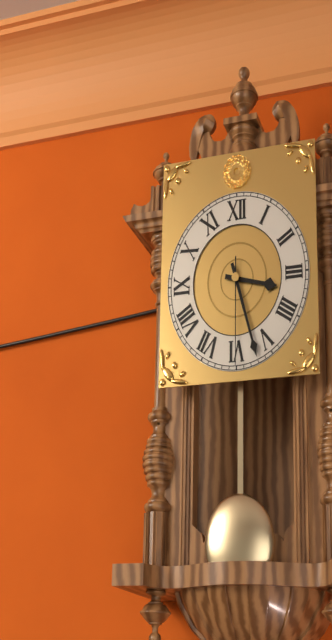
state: 3:27:30
